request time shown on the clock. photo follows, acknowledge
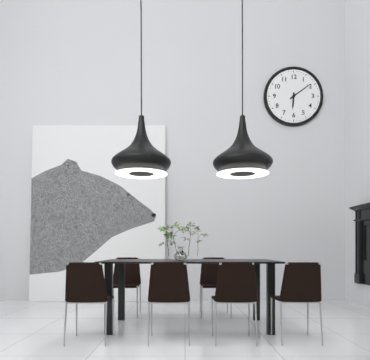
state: 6:09
